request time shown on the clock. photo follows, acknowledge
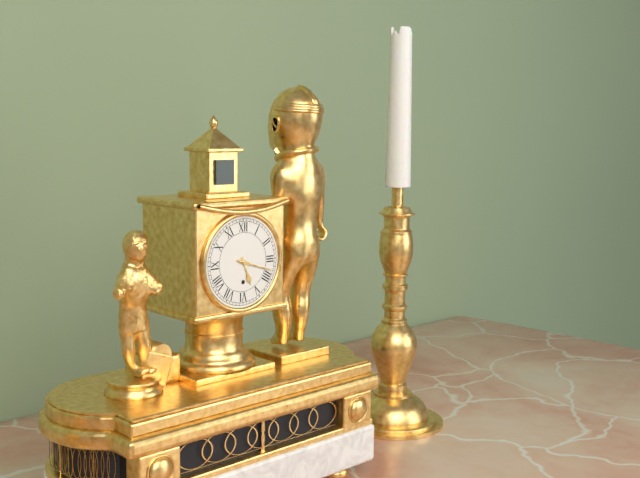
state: 5:18
